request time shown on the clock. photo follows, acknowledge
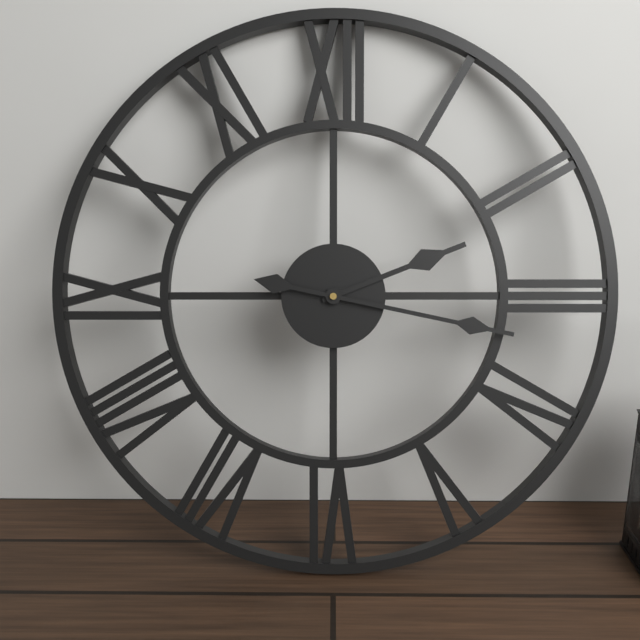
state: 2:17
